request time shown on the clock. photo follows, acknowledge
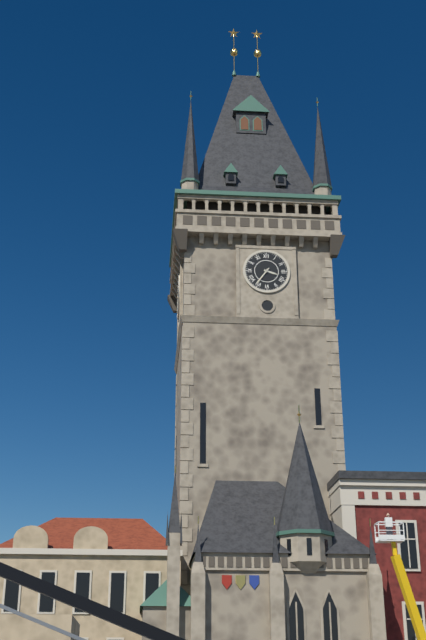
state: 3:36
